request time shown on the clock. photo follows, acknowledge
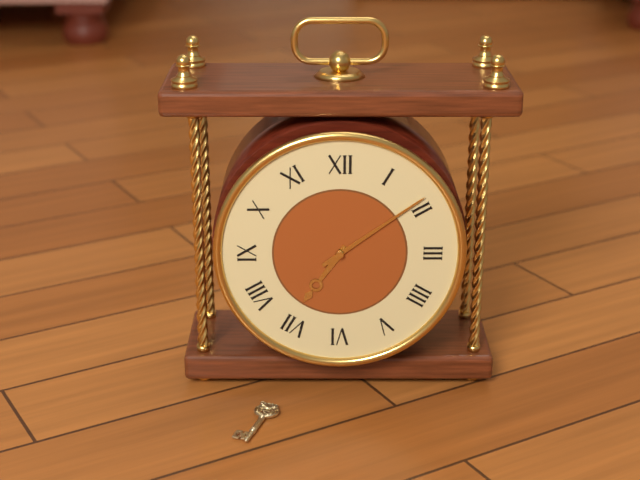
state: 7:09
